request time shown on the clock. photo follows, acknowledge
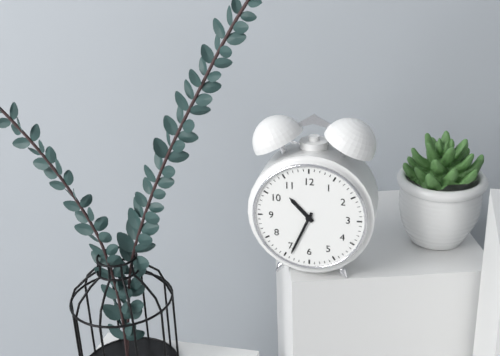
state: 10:34
